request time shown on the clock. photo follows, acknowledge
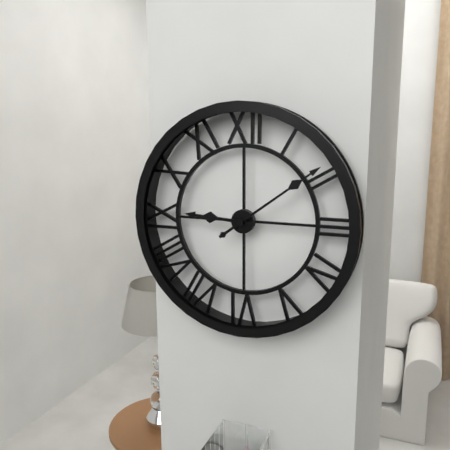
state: 9:09
